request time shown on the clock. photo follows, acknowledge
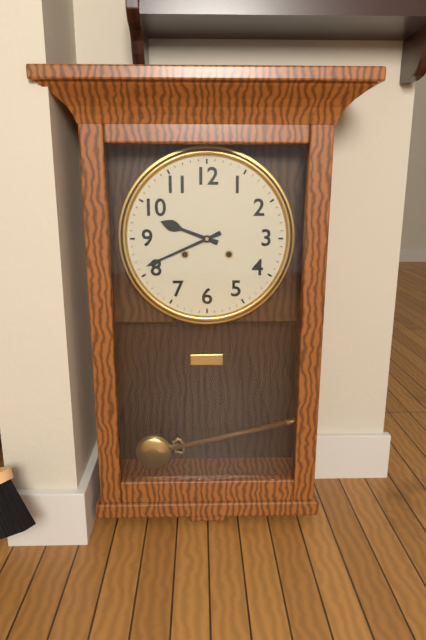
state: 9:41
